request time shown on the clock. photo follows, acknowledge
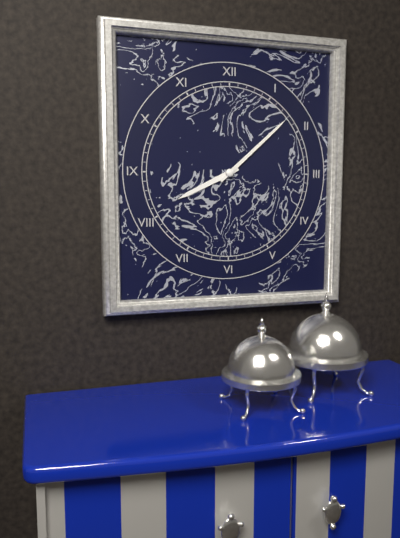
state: 8:08
